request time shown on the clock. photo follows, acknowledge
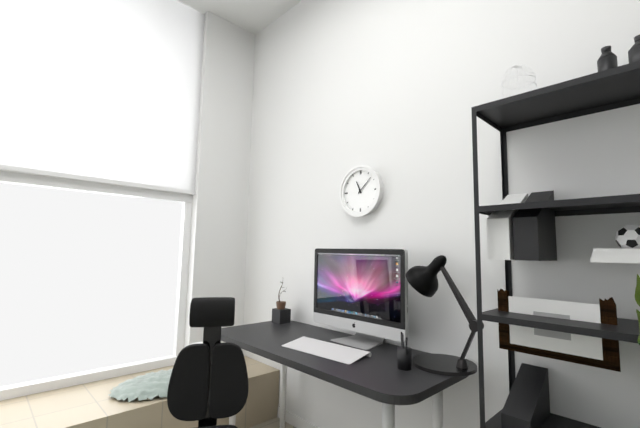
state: 11:08
